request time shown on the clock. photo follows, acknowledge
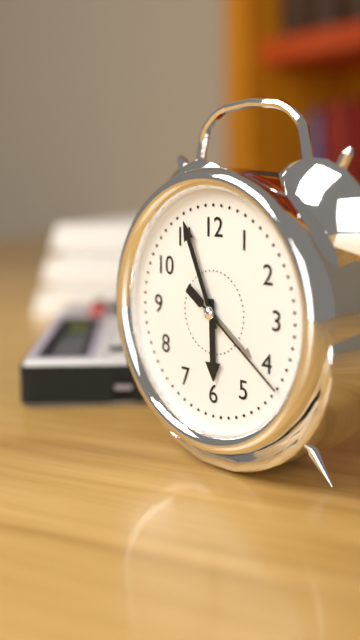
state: 5:56:21
